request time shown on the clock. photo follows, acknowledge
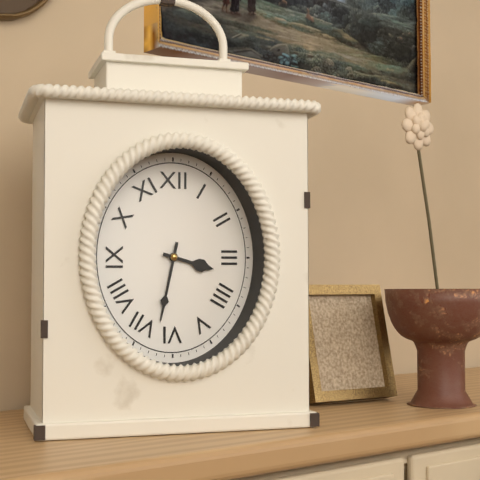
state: 3:32
